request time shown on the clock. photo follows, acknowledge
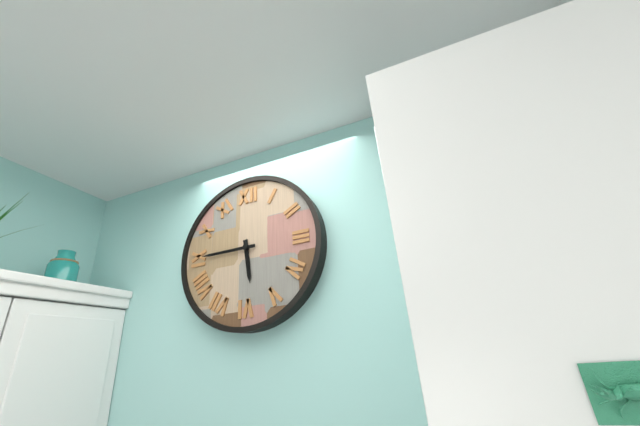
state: 5:45
